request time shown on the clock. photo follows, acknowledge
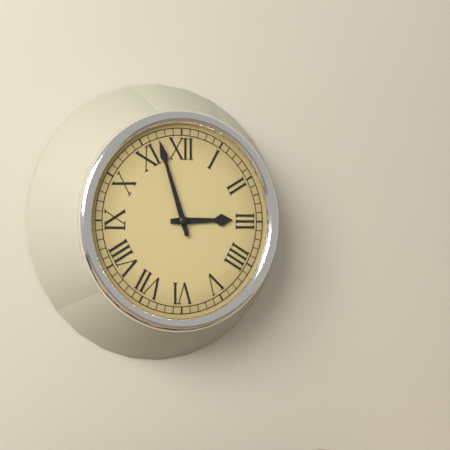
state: 2:57
